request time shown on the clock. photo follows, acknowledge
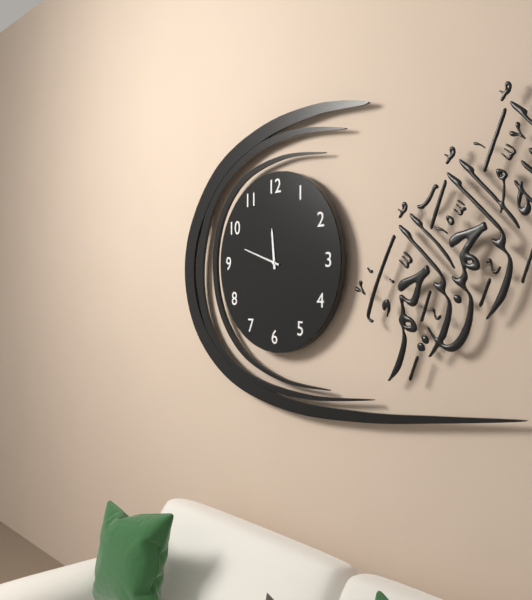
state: 11:48
